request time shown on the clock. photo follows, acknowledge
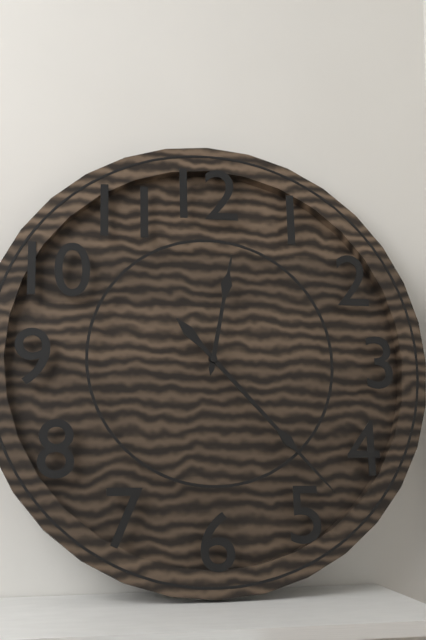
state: 12:23
